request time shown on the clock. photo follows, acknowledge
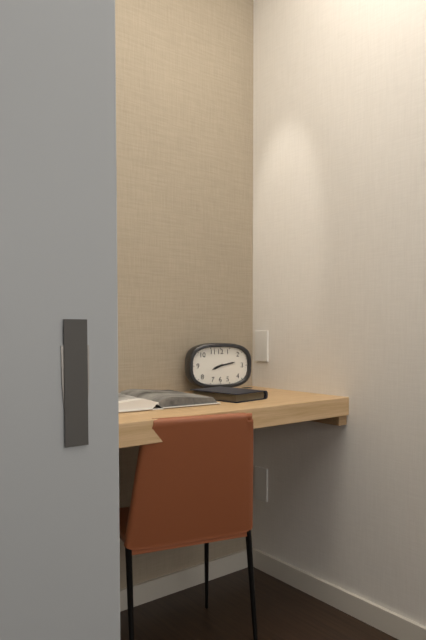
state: 8:13
